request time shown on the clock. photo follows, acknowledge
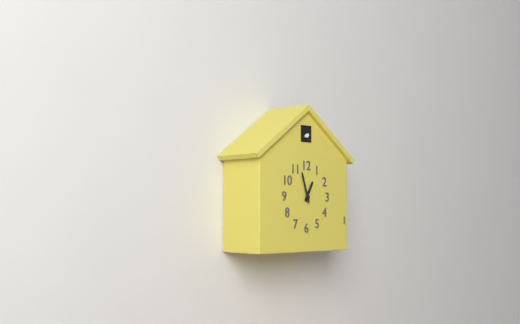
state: 12:57
